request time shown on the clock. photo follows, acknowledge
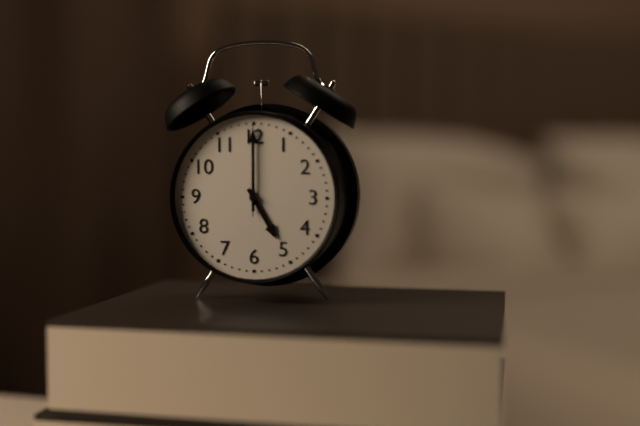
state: 5:00:00
